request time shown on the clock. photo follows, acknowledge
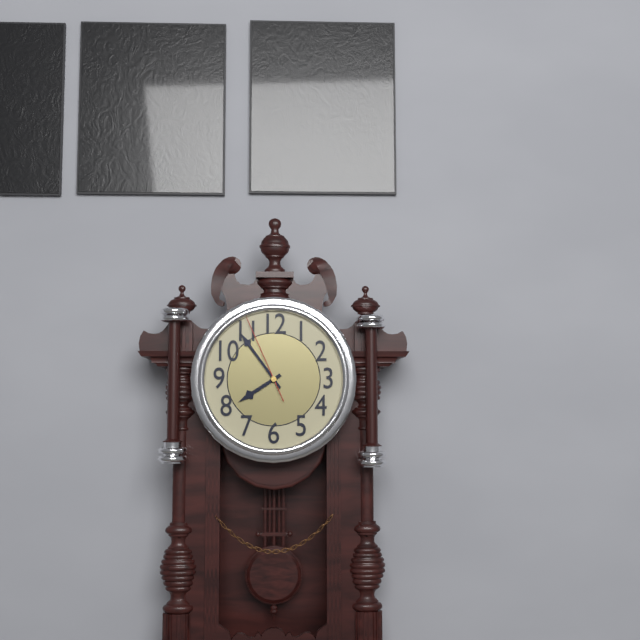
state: 7:54:56
